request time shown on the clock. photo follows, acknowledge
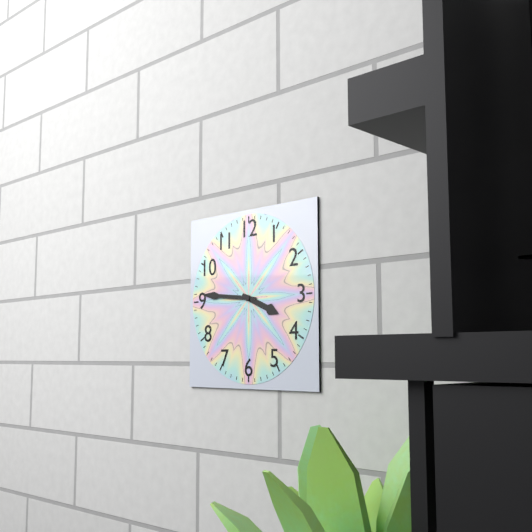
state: 3:46
